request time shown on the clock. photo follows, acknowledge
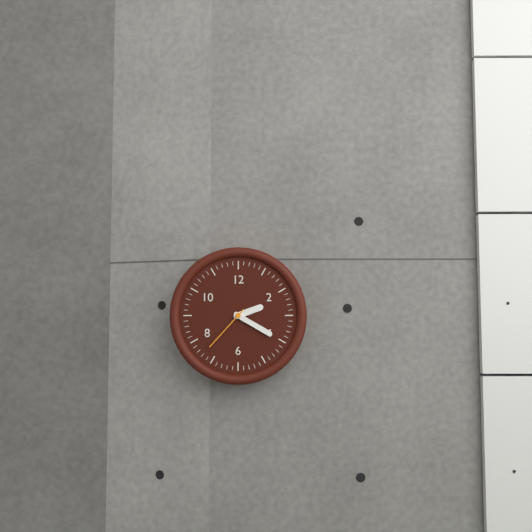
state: 2:20:37
